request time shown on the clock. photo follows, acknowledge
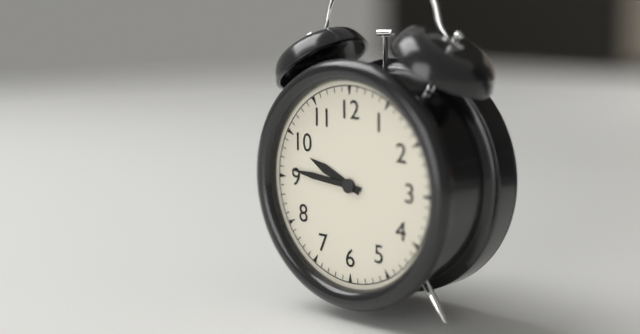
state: 9:46
